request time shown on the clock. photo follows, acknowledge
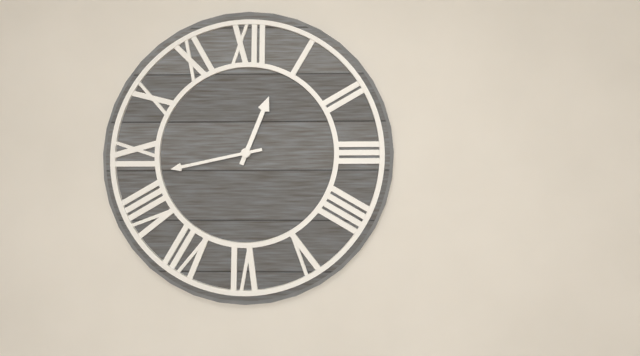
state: 12:43
